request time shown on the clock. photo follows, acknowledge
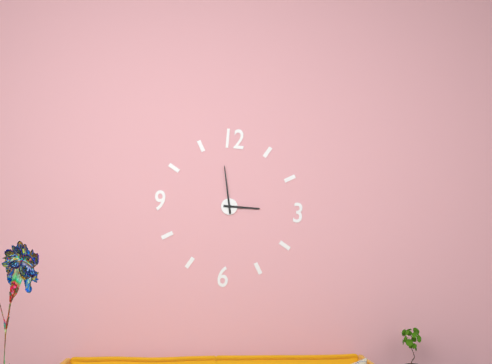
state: 2:58
